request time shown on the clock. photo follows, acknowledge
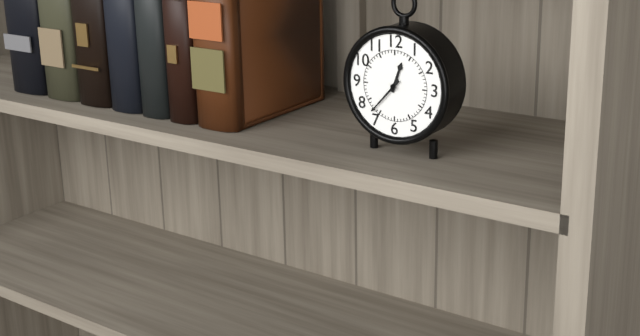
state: 12:37
